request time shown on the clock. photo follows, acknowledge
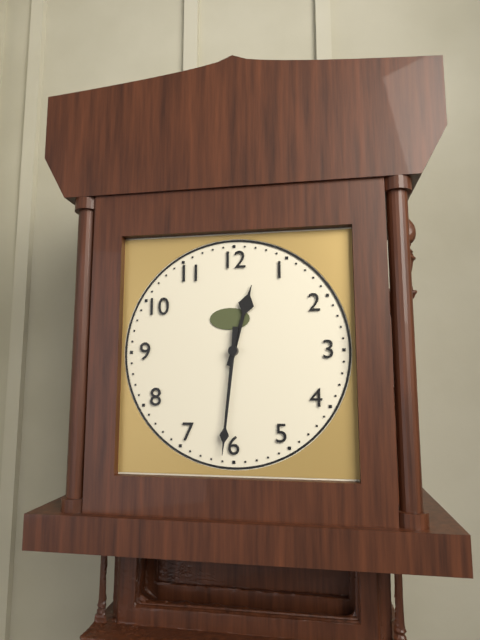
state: 12:31
